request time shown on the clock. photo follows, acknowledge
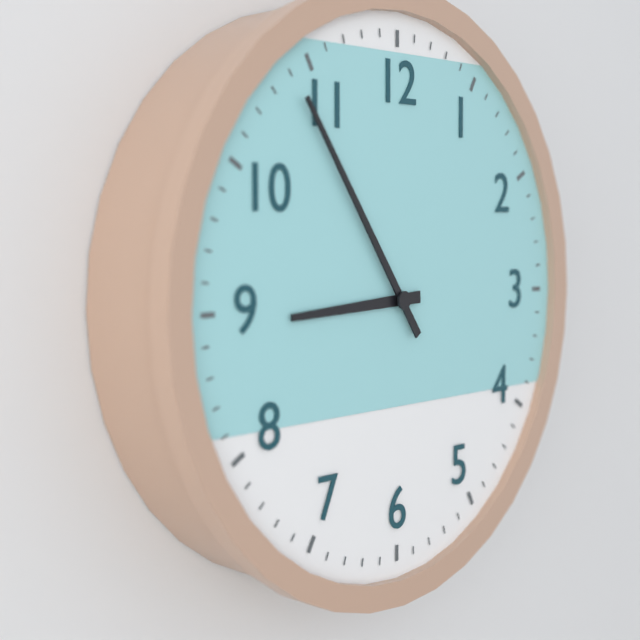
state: 8:54
